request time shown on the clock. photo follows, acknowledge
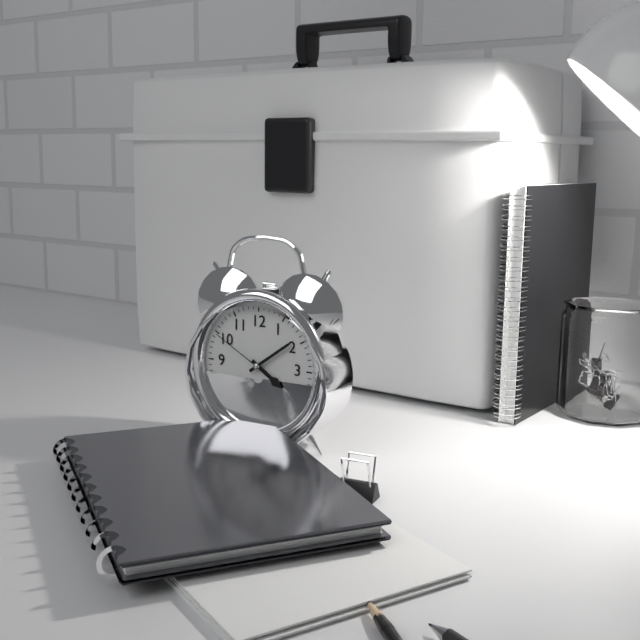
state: 4:09:50
